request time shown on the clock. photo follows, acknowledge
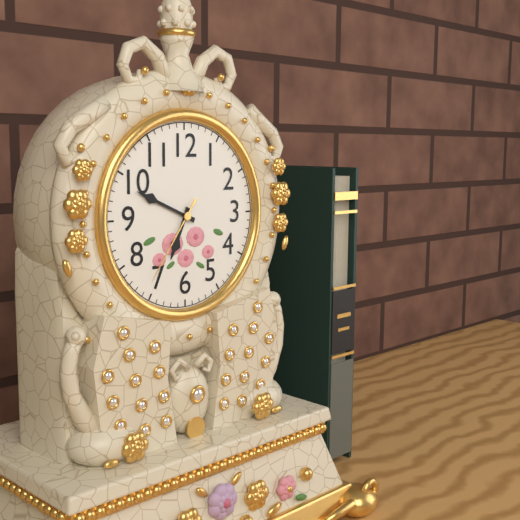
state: 6:49:36
